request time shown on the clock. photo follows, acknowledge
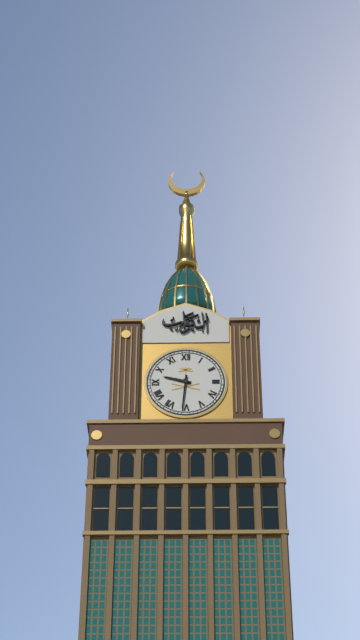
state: 9:31
